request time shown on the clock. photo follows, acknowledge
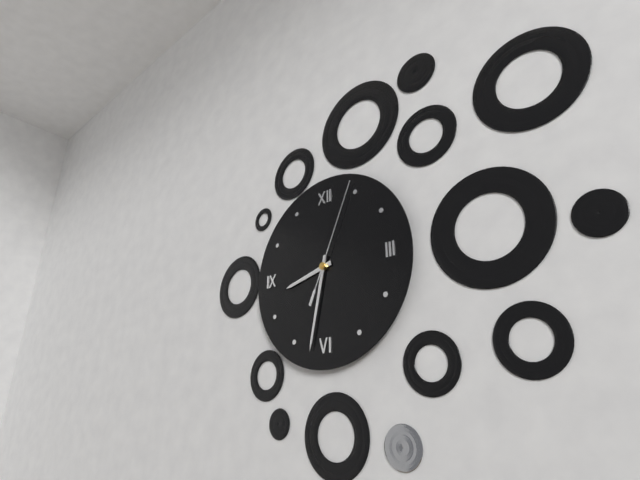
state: 8:32:04
